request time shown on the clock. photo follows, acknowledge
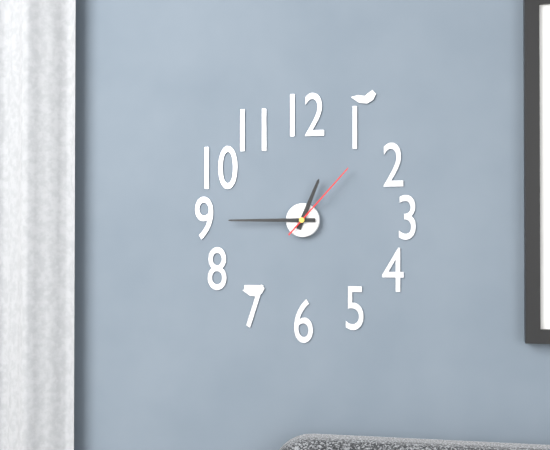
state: 12:45:07
